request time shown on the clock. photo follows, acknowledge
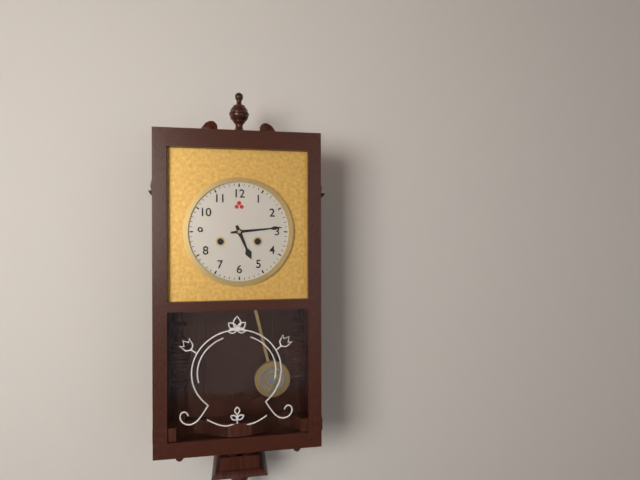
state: 5:14
